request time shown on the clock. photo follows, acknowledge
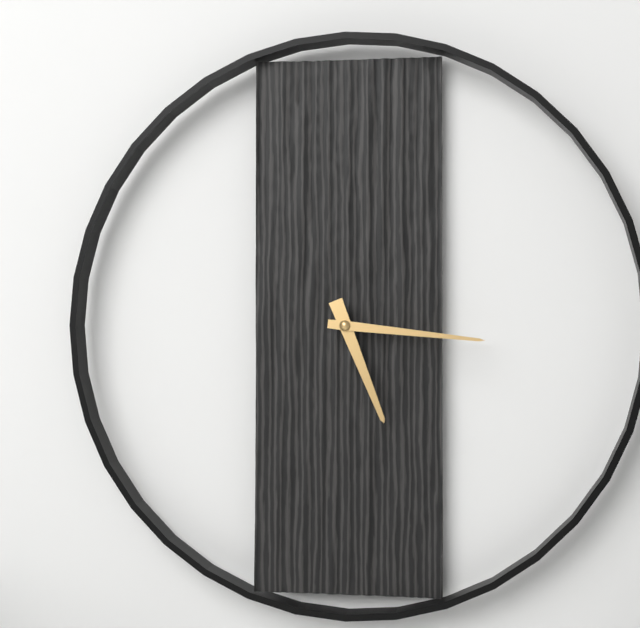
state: 5:16
